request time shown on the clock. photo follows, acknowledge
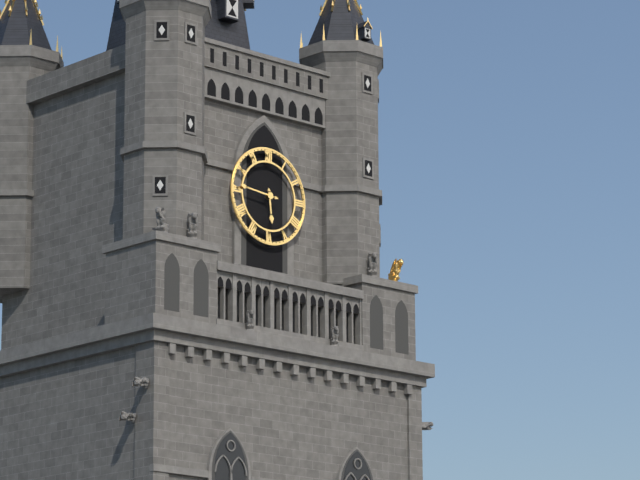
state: 5:46
